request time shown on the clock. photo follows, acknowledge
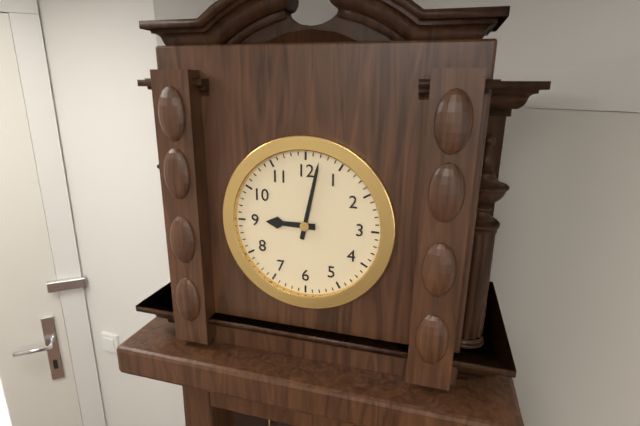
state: 9:02
